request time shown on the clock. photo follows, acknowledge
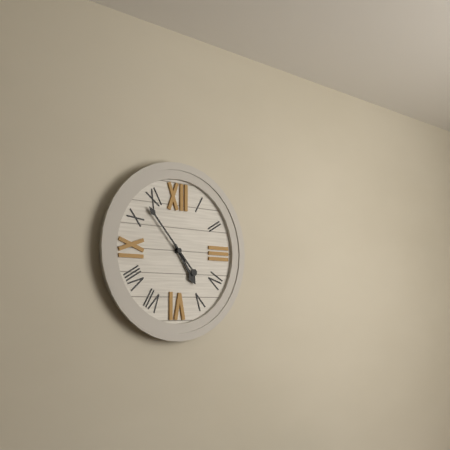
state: 4:53
